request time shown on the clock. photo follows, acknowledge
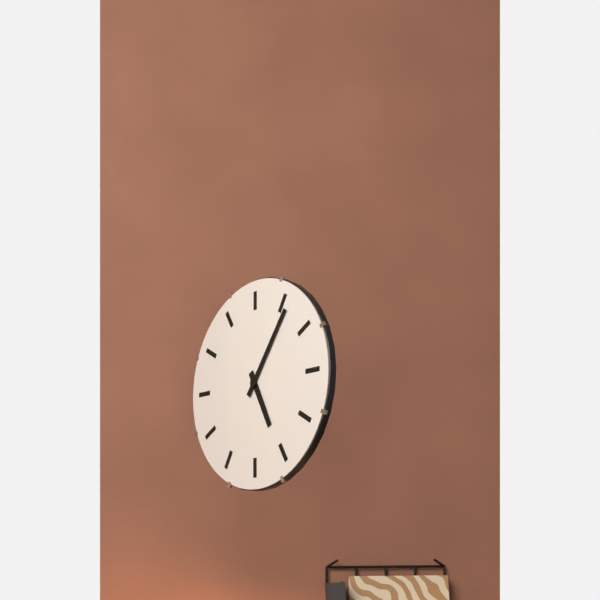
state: 5:06
